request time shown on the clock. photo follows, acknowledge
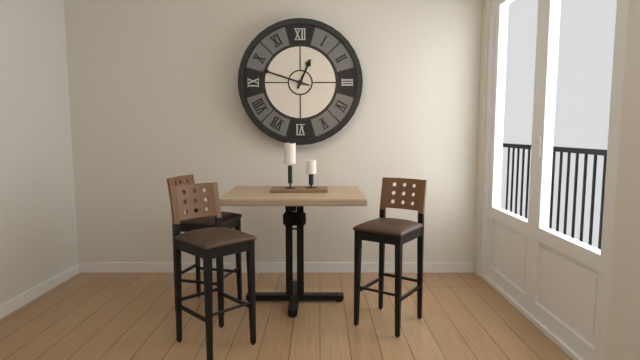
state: 12:48
